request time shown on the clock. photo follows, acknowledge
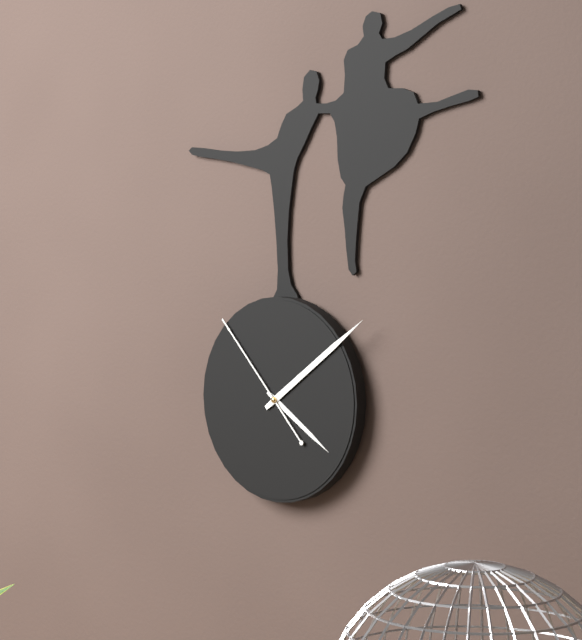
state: 4:09:53
